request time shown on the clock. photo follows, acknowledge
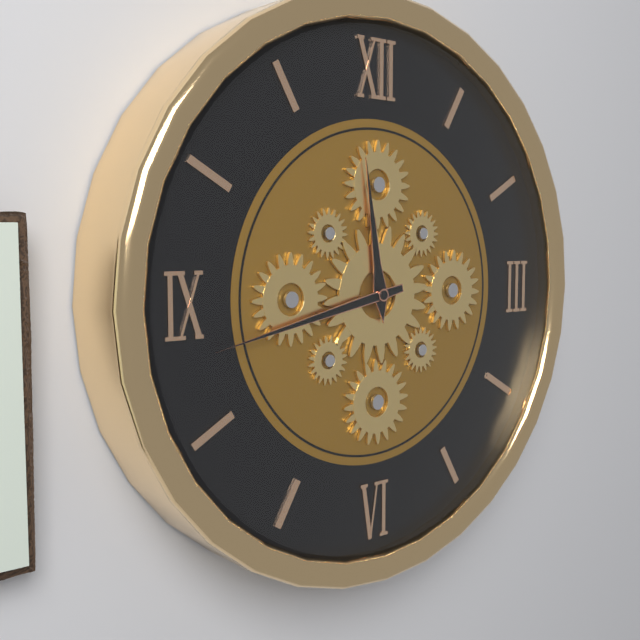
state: 11:43
